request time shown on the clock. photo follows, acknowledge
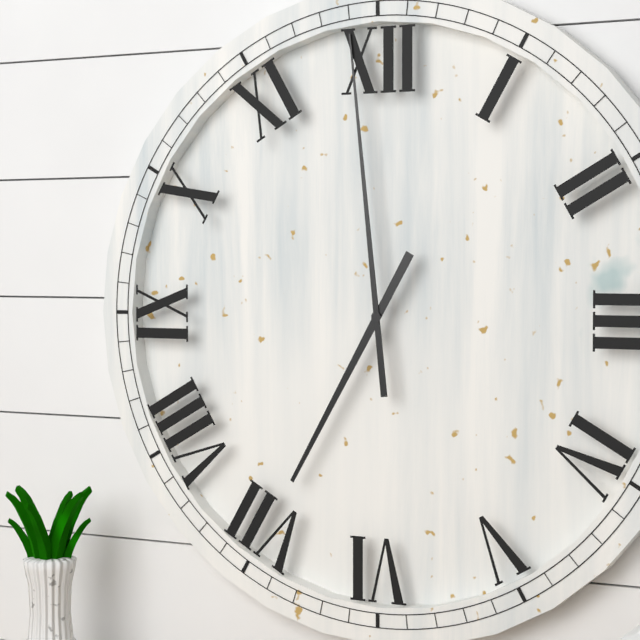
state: 6:59
